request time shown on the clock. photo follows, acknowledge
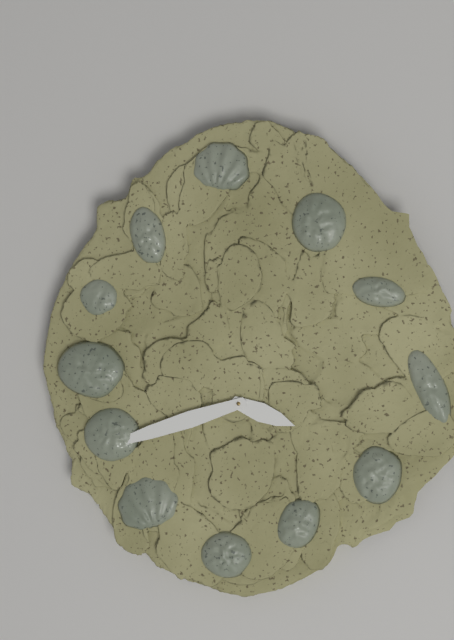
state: 3:42
